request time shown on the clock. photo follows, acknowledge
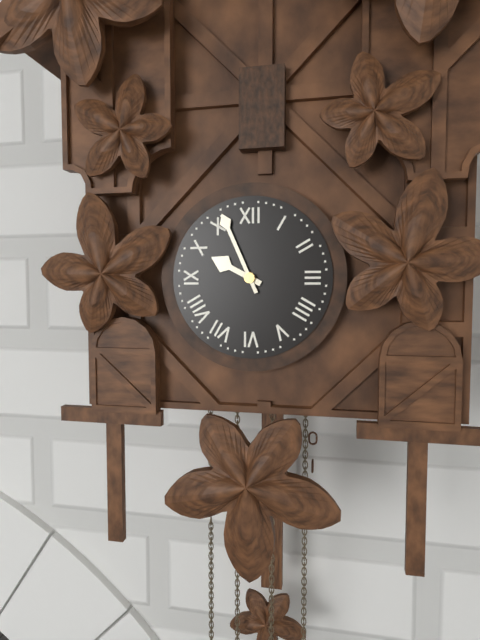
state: 9:56
